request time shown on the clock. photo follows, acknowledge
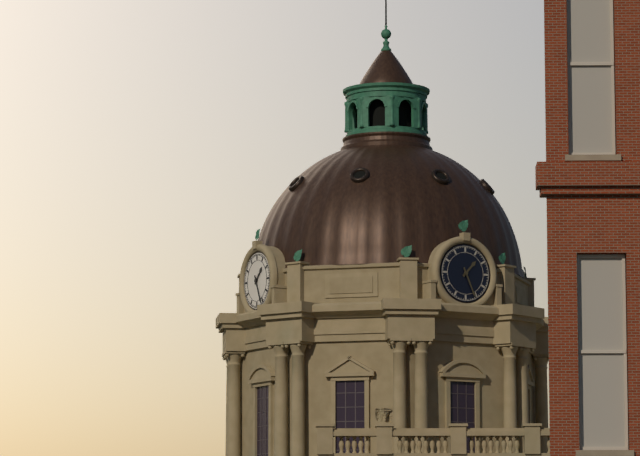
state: 1:26
